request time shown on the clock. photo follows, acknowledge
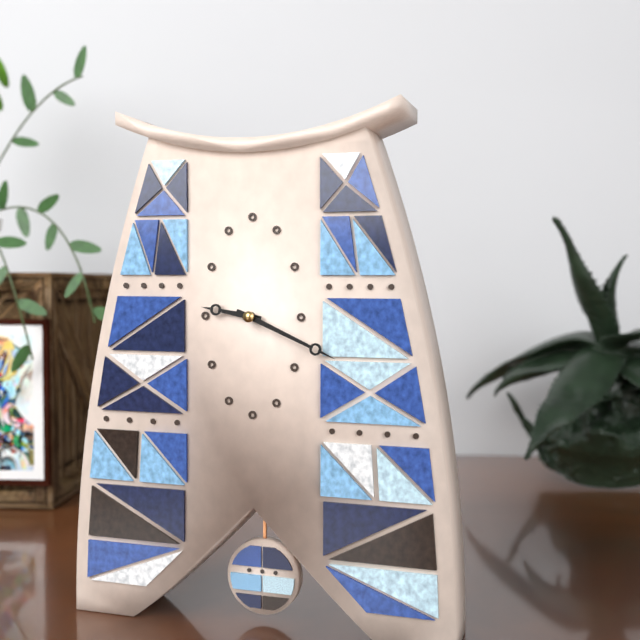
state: 9:19
